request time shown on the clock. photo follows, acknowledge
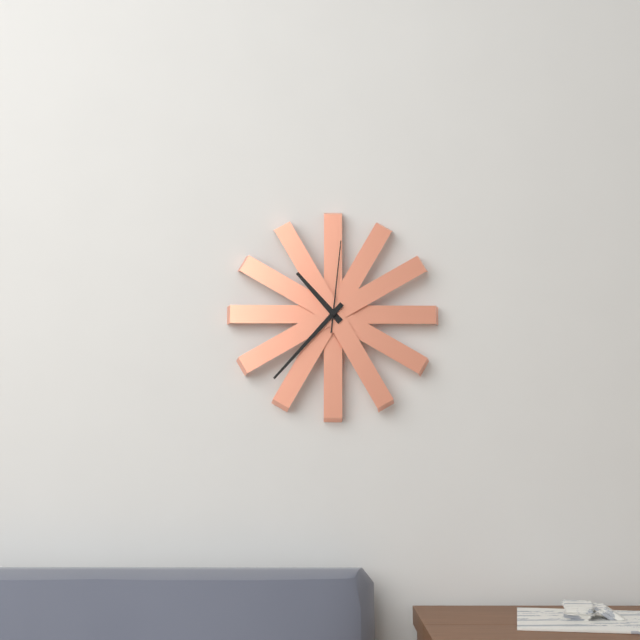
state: 10:37:01
